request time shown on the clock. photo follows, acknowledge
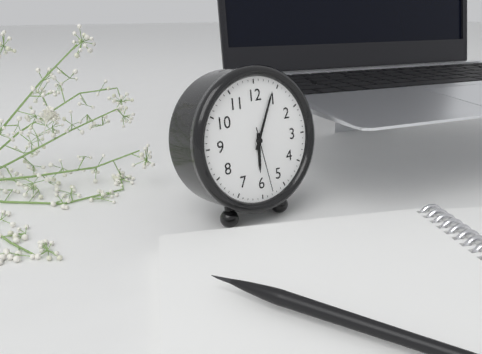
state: 6:04:28
